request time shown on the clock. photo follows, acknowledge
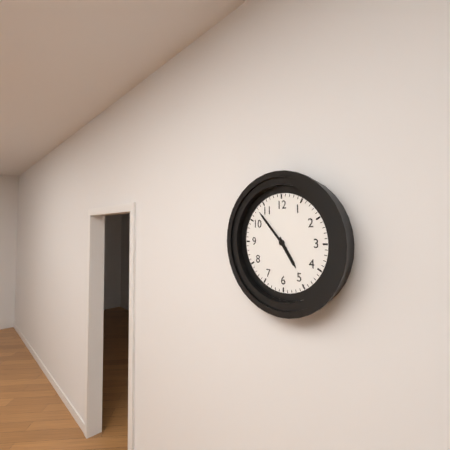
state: 4:53
